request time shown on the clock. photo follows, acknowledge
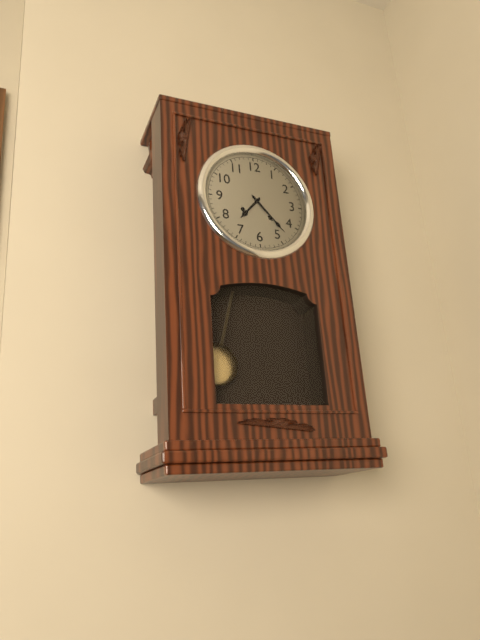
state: 7:23
